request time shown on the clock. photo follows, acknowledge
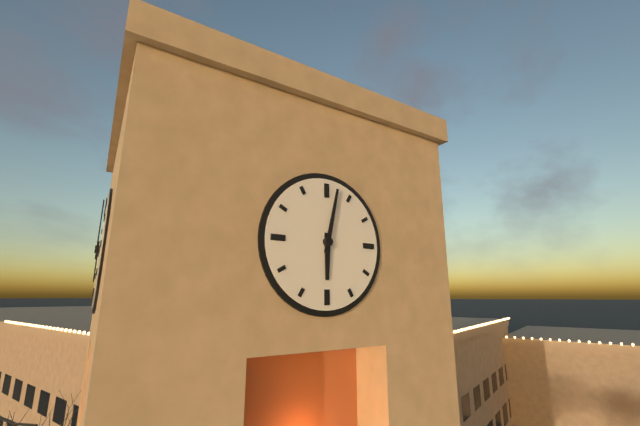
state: 6:02
